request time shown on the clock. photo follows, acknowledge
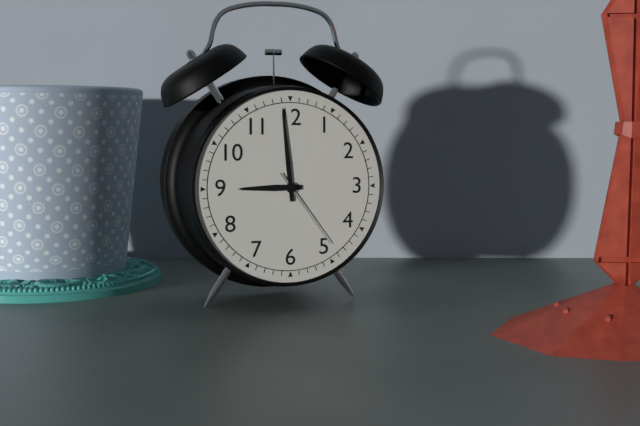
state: 8:59:24
